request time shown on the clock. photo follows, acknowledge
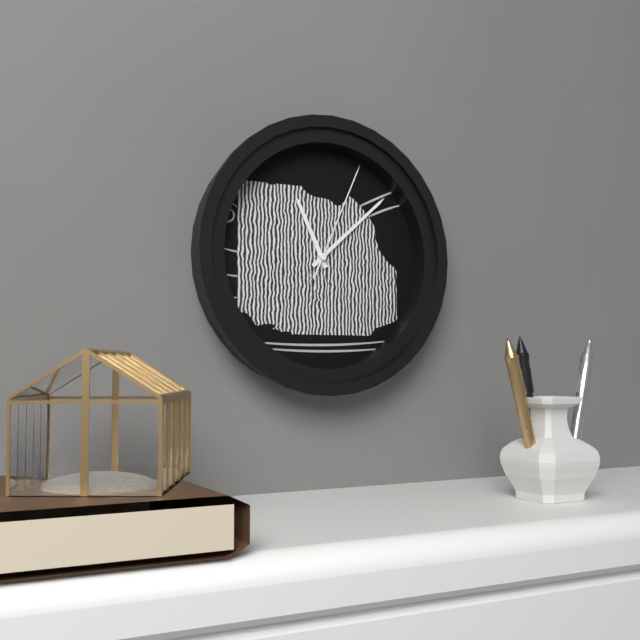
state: 11:08:04
